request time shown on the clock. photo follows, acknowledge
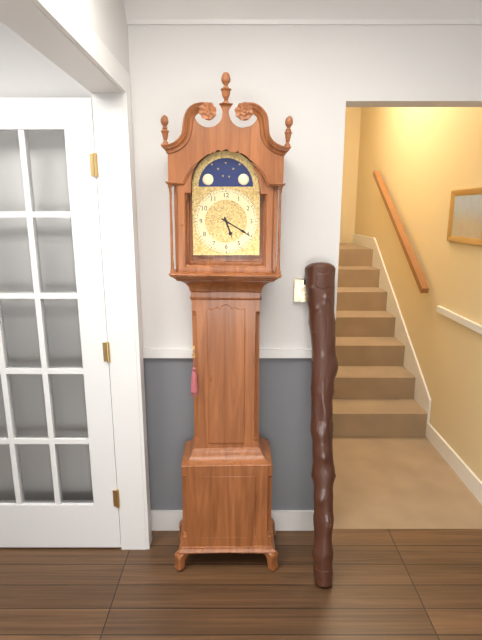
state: 5:20
